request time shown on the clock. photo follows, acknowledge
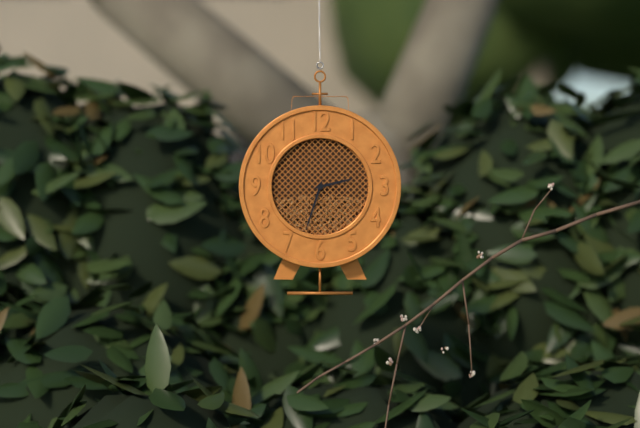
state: 2:33
